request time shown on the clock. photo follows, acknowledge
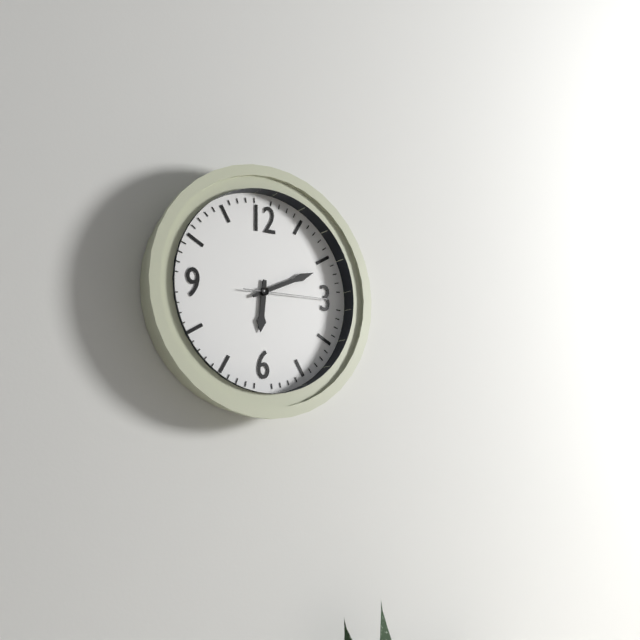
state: 6:11:15
